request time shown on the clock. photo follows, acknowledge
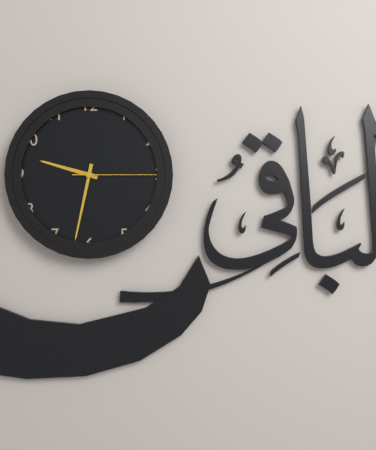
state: 9:32:15
